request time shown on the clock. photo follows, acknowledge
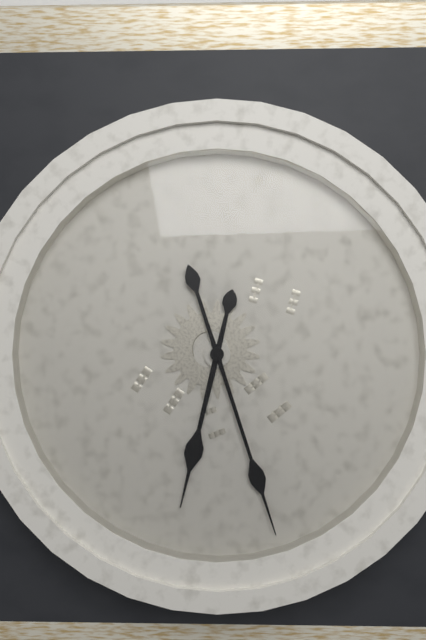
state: 6:27
